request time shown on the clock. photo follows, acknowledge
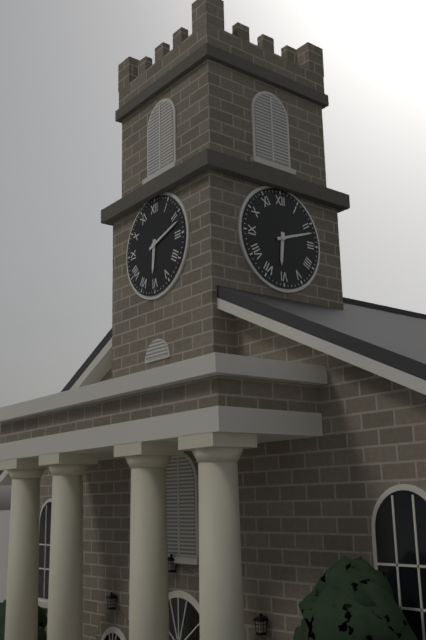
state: 6:12
